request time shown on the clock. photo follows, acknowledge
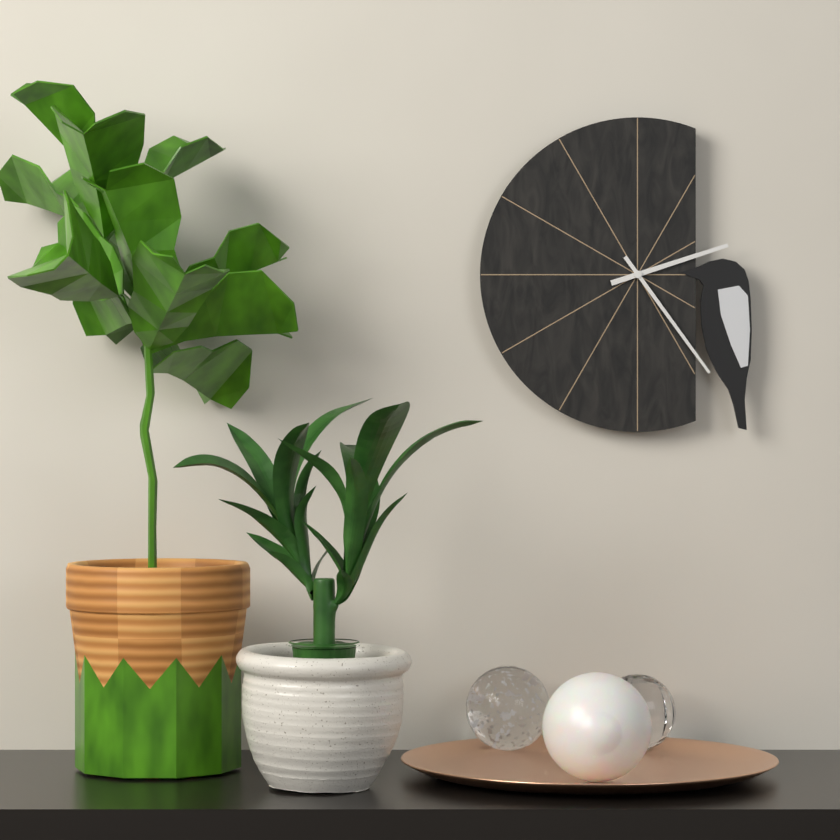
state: 2:24
